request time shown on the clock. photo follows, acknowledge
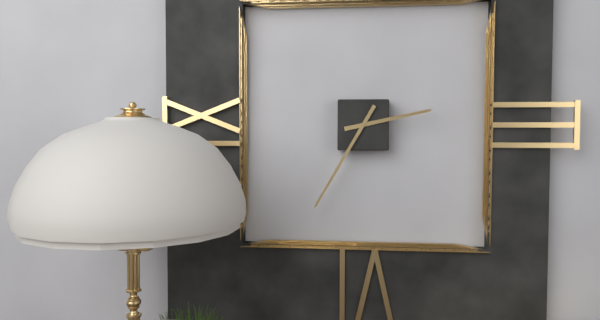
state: 2:35
